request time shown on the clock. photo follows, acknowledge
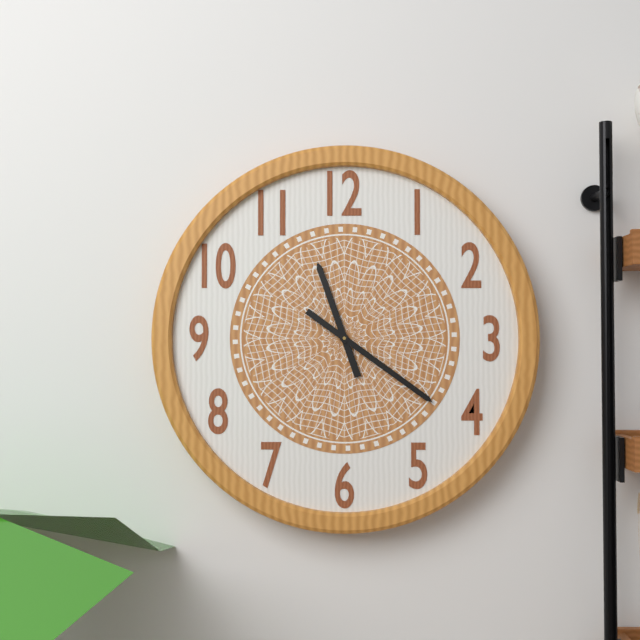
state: 11:21
